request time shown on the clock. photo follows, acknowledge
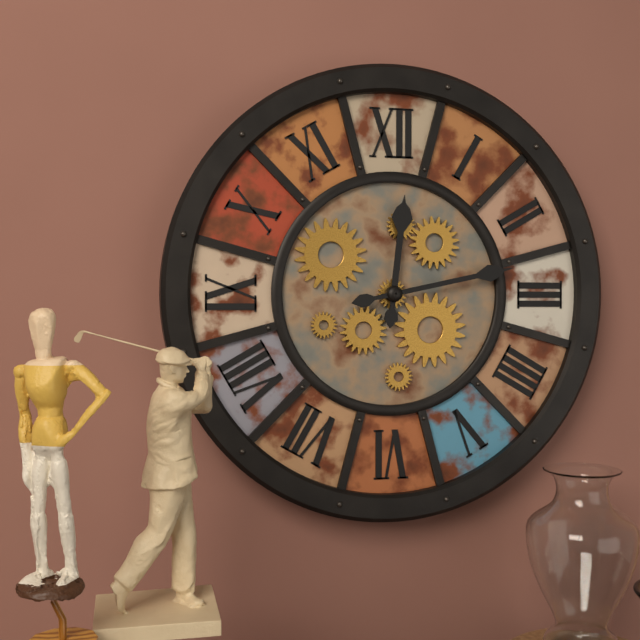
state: 12:13
